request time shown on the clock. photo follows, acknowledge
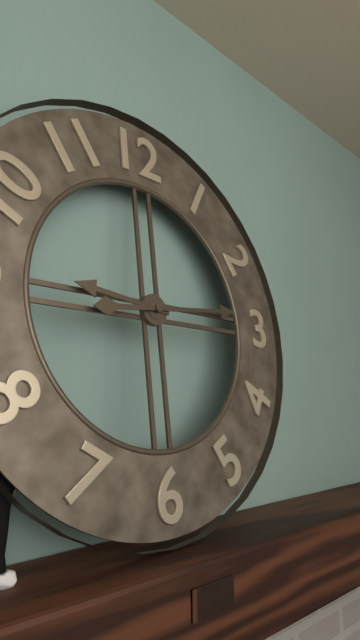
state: 9:14
